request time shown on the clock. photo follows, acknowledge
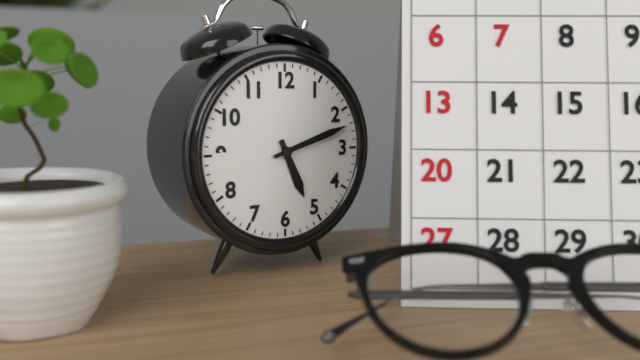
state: 5:12
